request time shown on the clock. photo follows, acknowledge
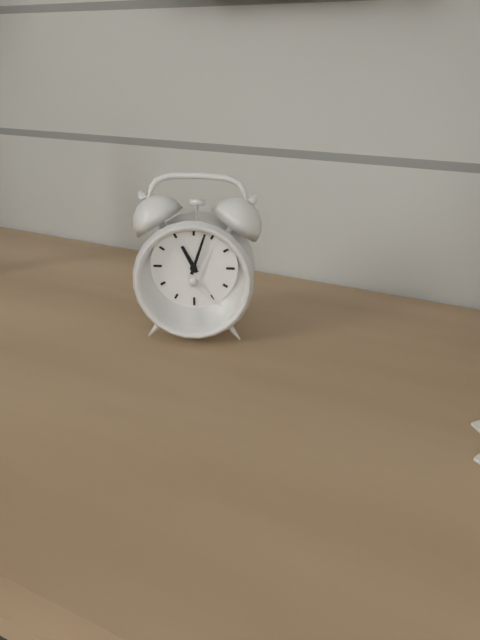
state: 11:03
